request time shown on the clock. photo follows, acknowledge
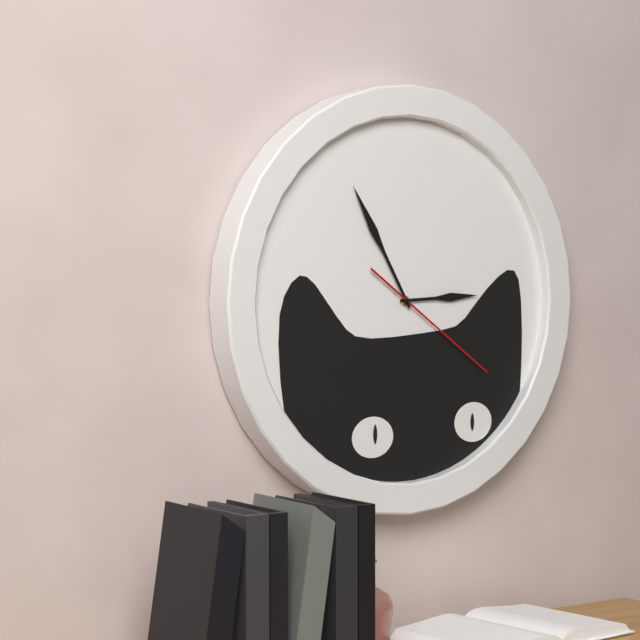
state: 2:55:21
